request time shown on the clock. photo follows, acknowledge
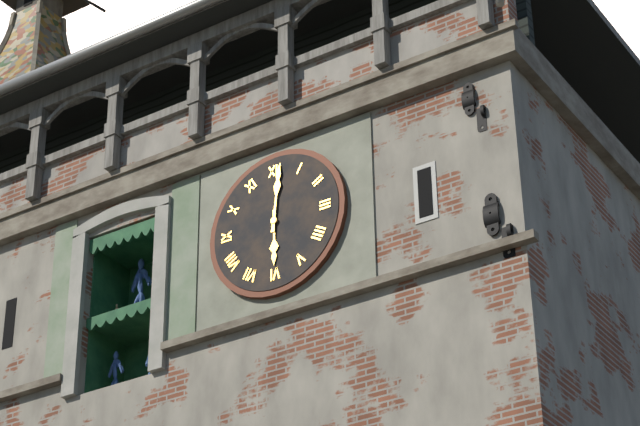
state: 6:01
